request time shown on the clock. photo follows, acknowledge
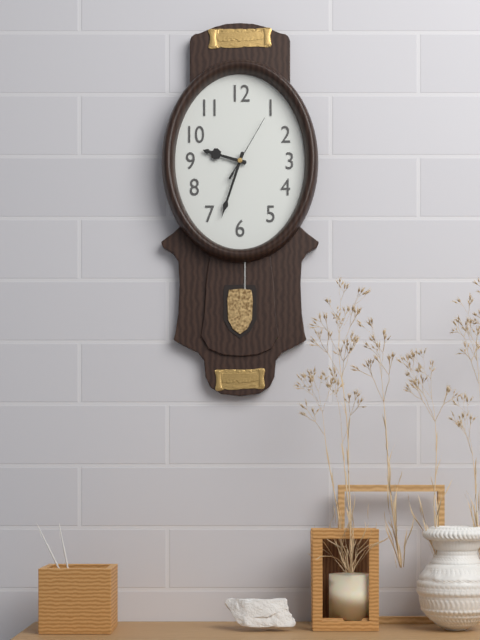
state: 9:33:05
